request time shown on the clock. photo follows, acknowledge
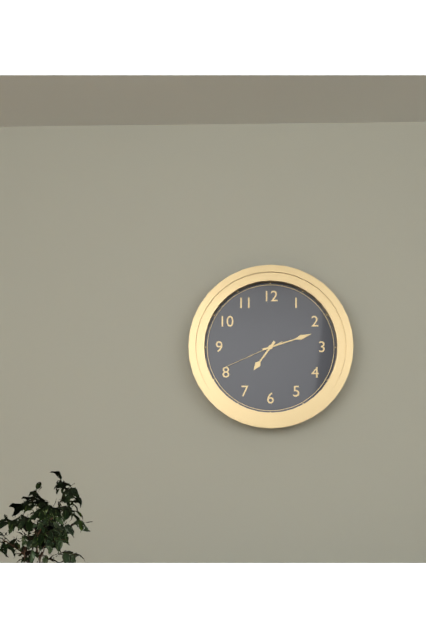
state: 7:12:41
